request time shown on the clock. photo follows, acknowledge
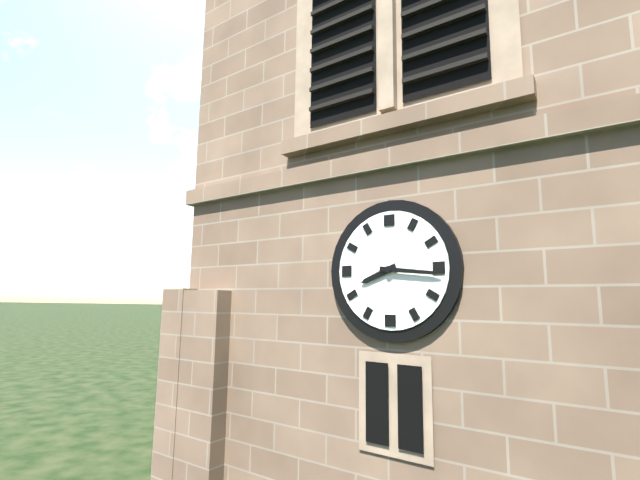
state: 8:16
